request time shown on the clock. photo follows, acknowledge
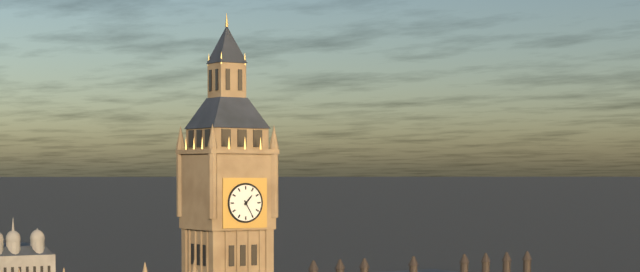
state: 1:25
